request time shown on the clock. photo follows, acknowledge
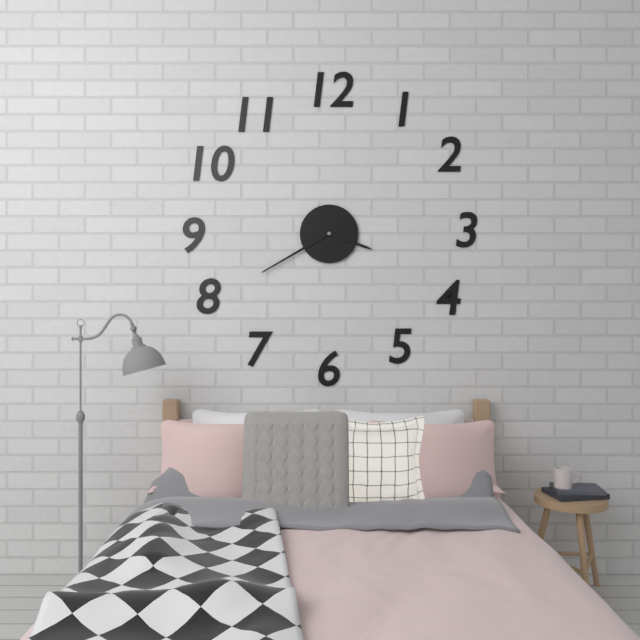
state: 3:40
